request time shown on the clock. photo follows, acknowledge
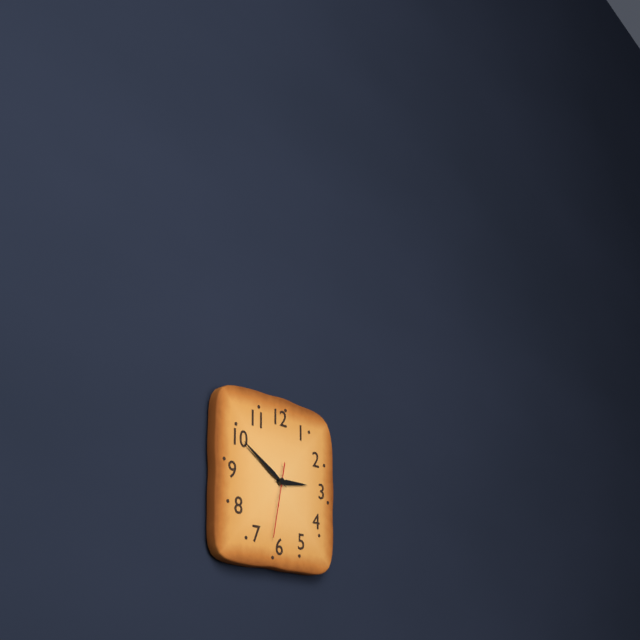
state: 2:50:32
